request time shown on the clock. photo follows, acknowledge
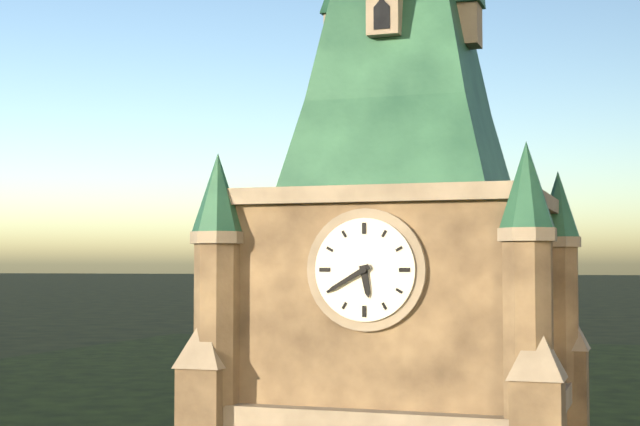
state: 5:40
